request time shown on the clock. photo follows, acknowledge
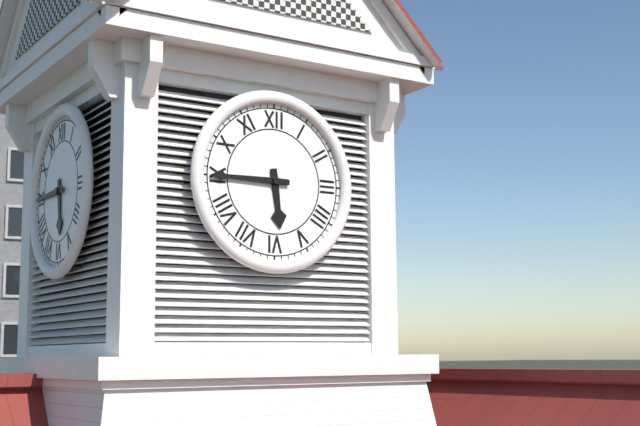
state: 5:45
